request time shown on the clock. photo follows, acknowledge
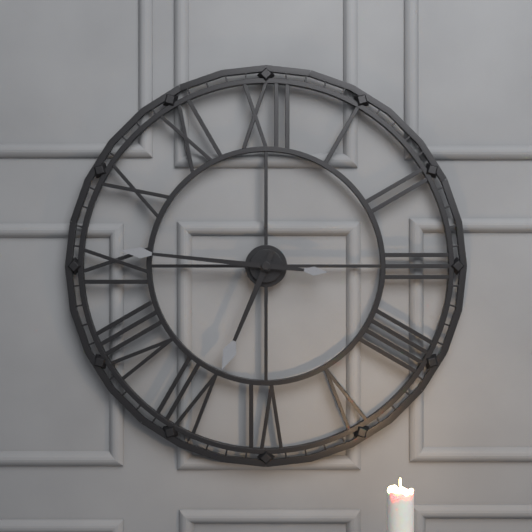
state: 6:46
